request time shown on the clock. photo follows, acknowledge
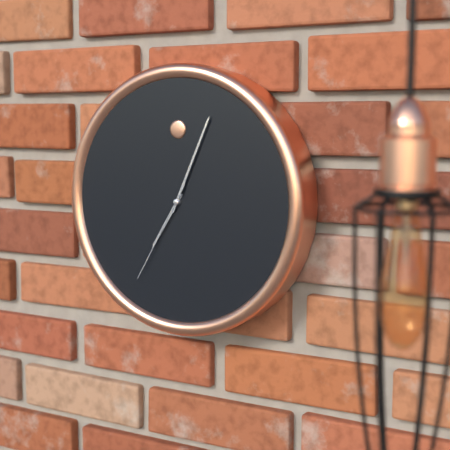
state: 7:04:35
